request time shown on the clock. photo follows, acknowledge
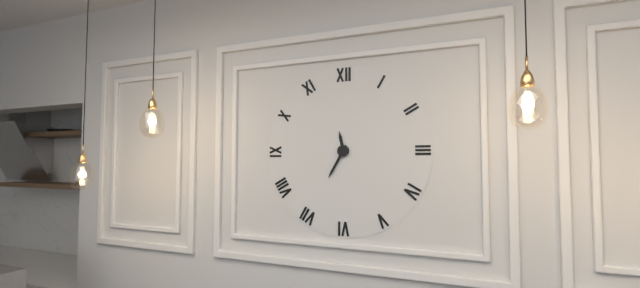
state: 11:35
